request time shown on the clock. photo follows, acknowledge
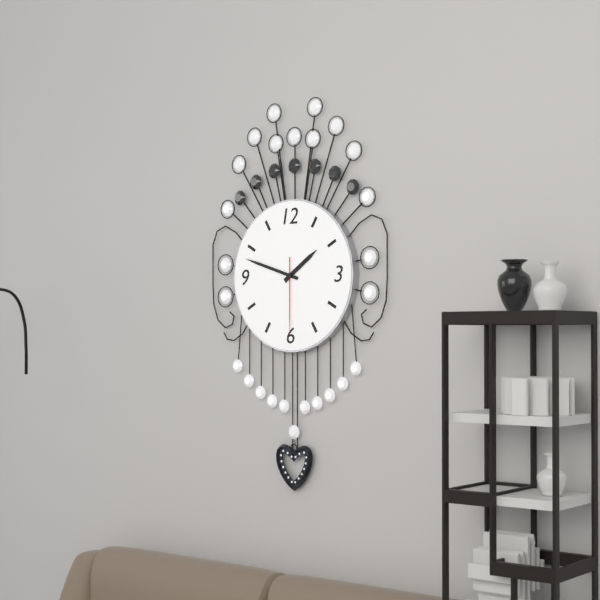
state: 1:48:30
